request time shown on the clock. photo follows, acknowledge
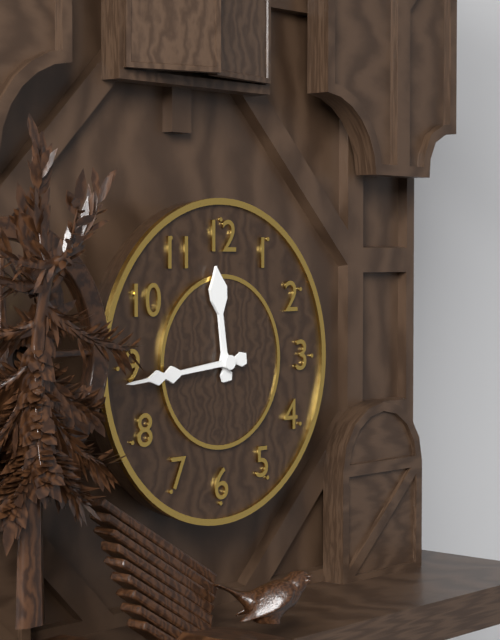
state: 11:44
